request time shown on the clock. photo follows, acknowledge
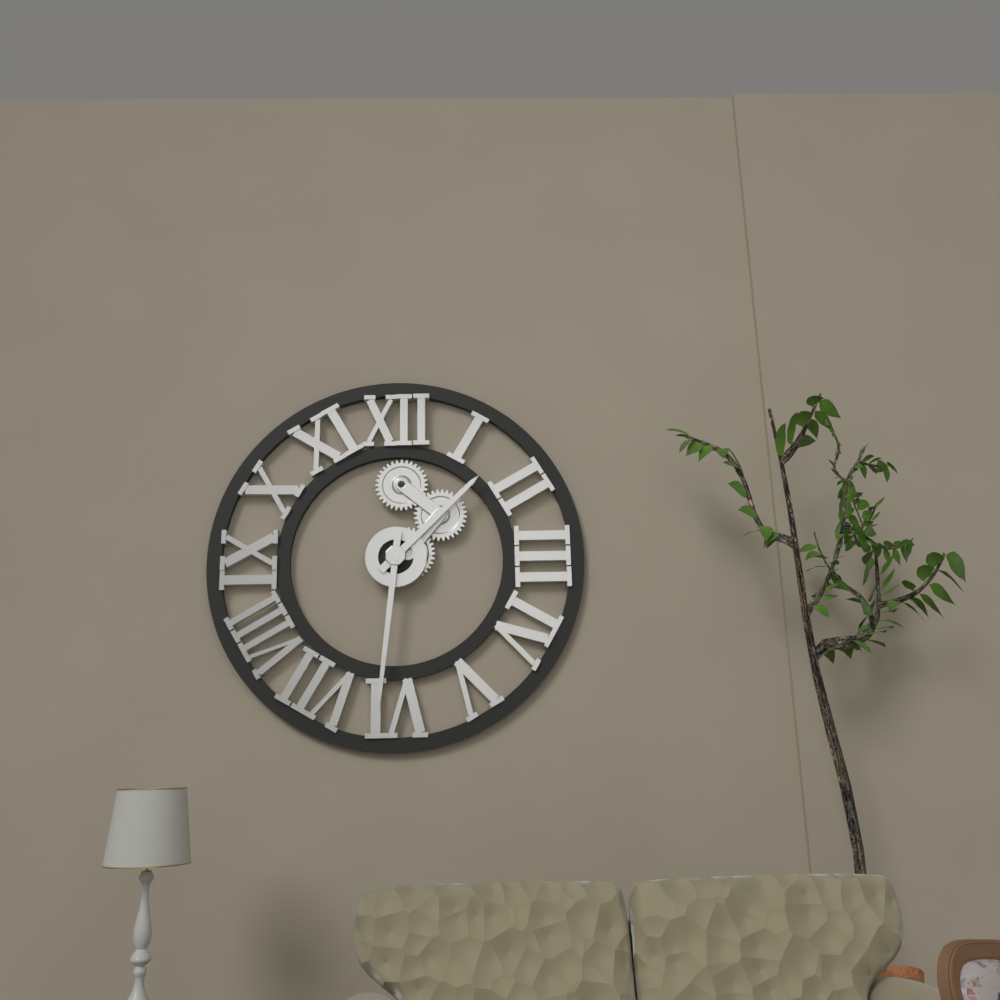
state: 1:31
